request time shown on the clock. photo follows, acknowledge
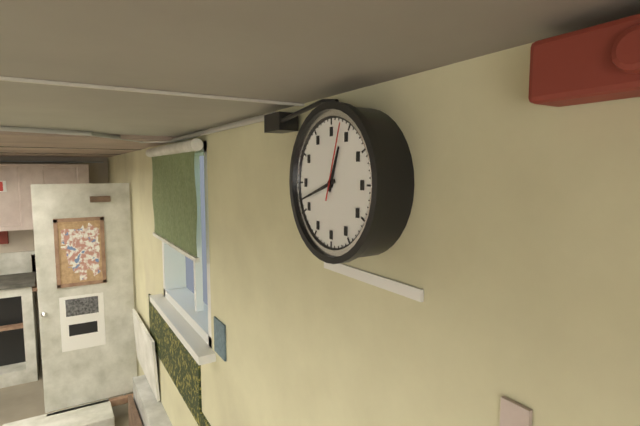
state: 12:42:03
